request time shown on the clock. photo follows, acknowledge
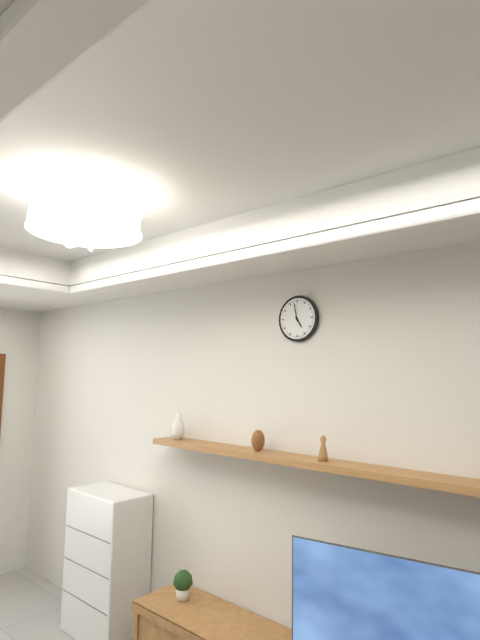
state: 4:58
